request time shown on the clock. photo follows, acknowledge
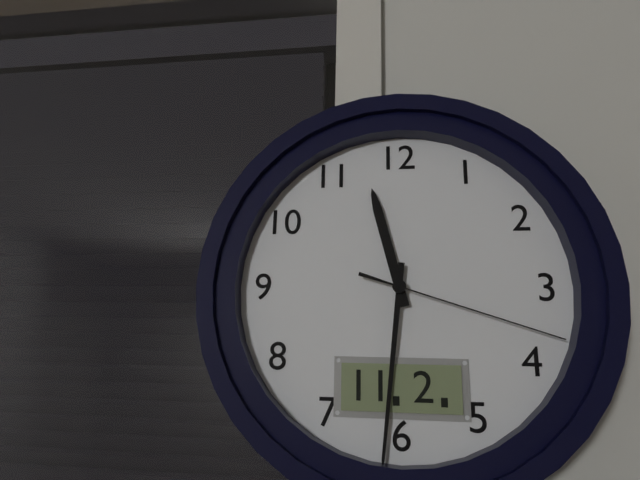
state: 11:31:18
